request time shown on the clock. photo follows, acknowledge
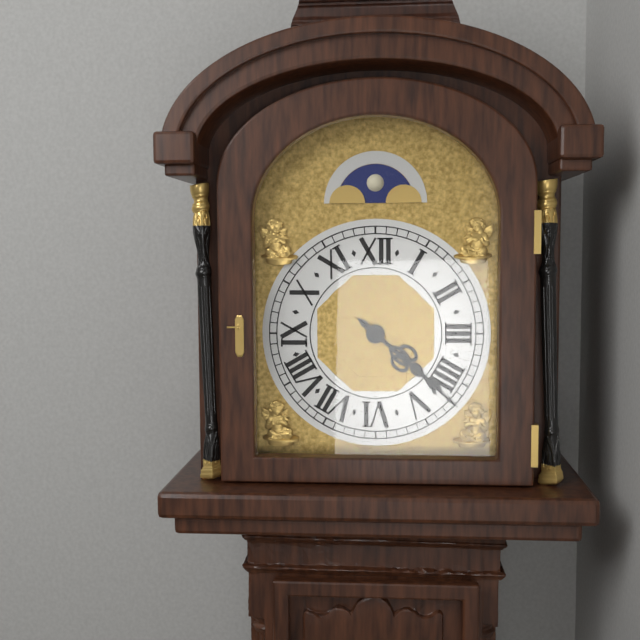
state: 4:22
